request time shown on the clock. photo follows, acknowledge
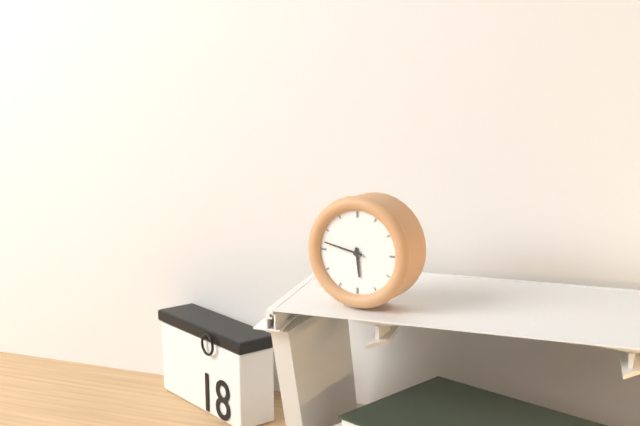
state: 5:47
